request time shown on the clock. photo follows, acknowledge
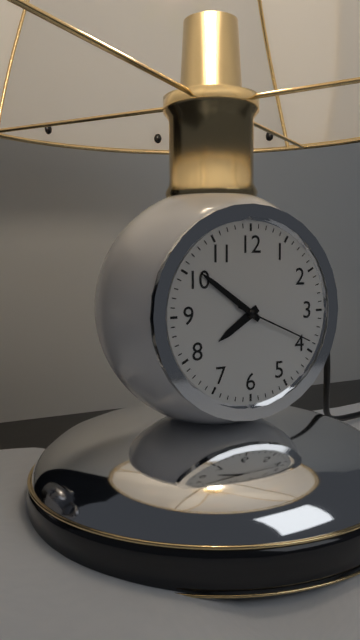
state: 7:51:19
